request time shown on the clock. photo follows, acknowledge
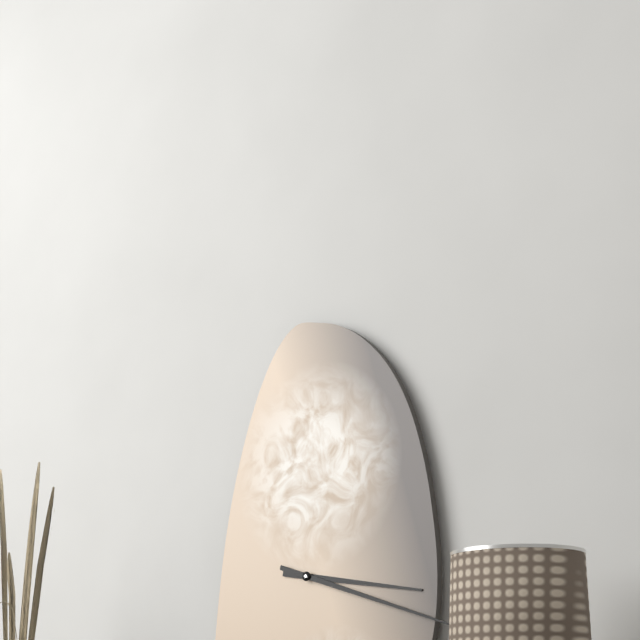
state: 3:18
